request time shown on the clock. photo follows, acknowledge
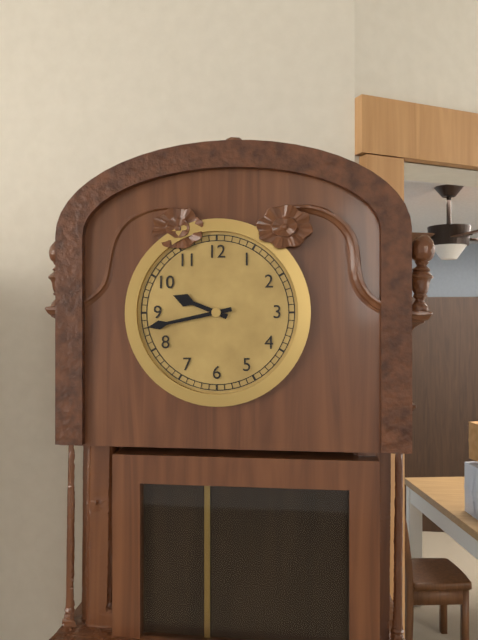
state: 9:43
